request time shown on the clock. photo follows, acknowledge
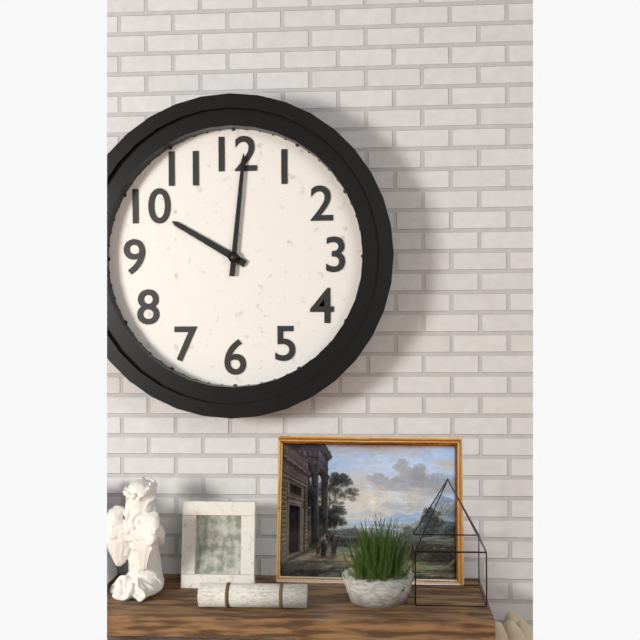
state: 10:01
